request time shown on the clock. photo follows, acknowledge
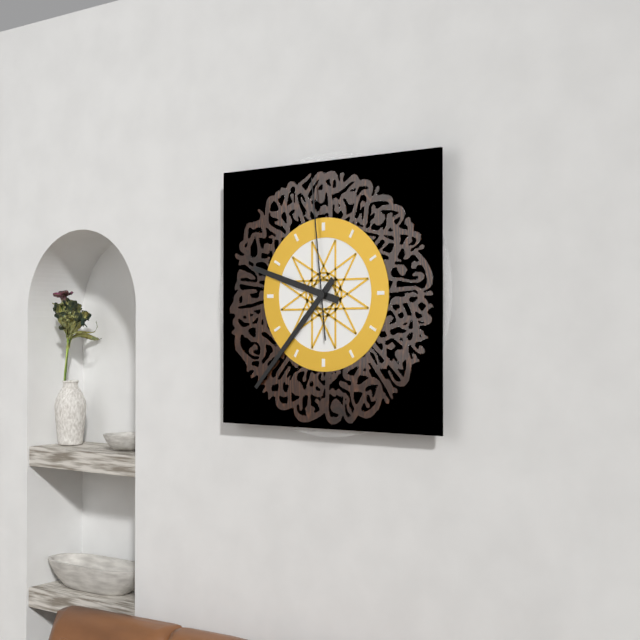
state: 9:37:59
